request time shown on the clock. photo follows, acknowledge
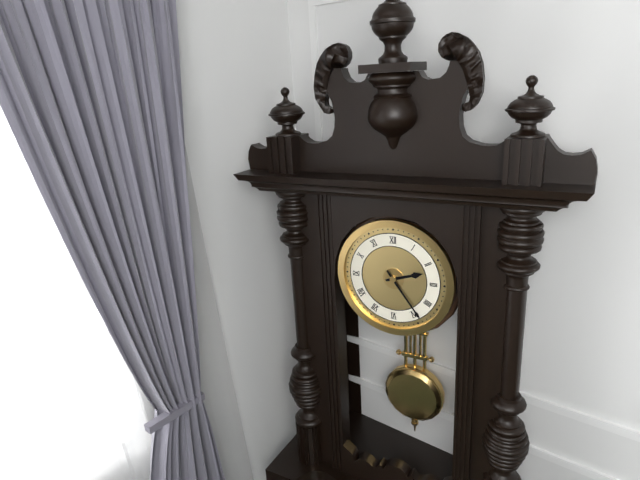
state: 2:24
